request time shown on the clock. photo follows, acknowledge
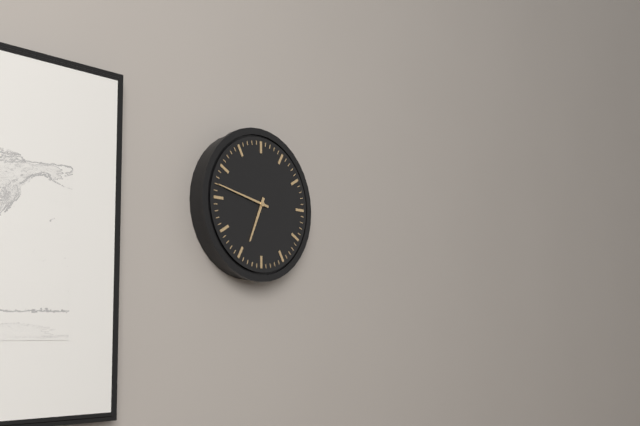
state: 6:47
